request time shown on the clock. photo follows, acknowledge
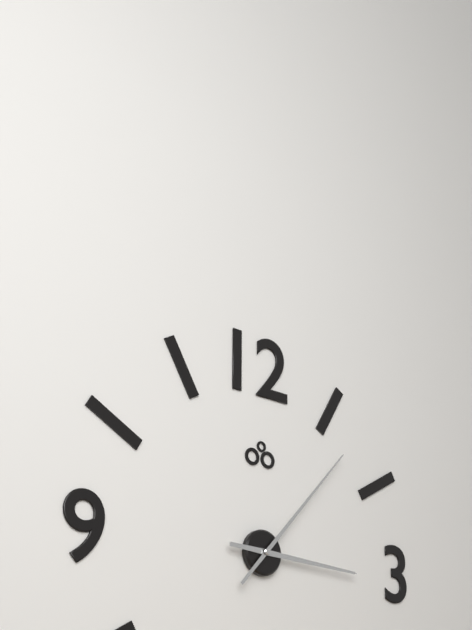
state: 3:07
